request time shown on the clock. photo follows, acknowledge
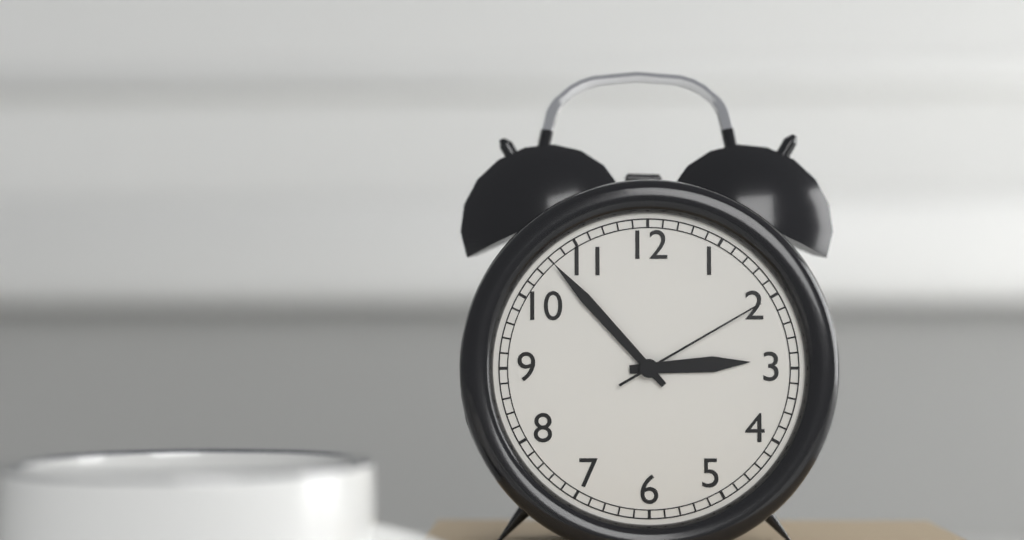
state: 2:53:10
